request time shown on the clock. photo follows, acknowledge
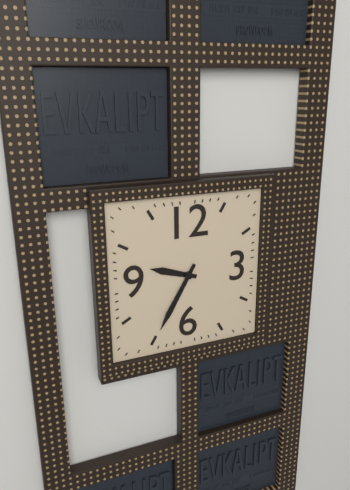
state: 9:35
